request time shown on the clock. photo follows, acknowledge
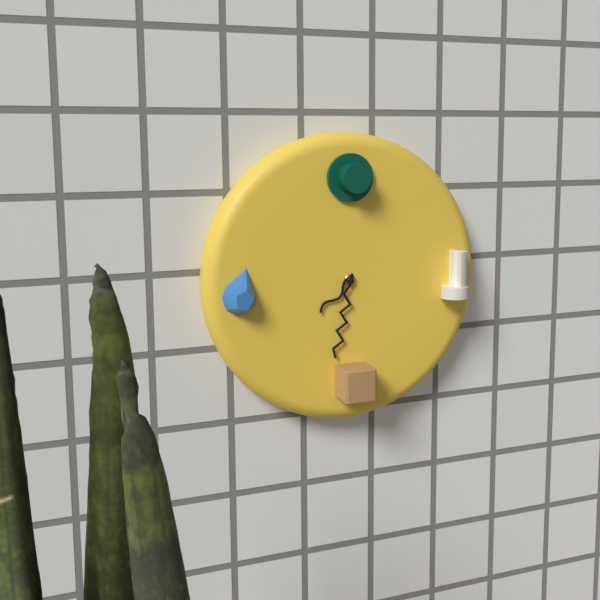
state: 7:32
